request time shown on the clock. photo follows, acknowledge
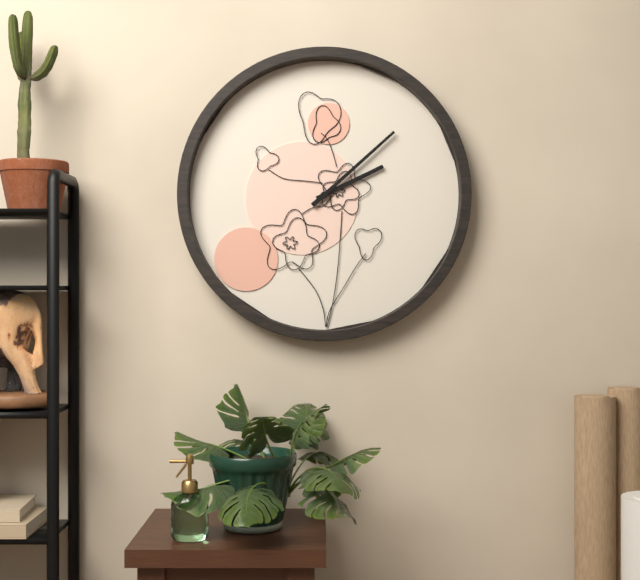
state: 2:08
